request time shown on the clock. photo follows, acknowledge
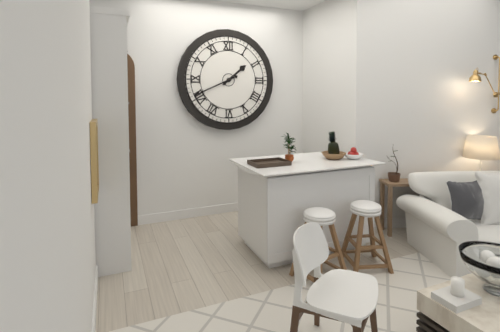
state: 1:41
